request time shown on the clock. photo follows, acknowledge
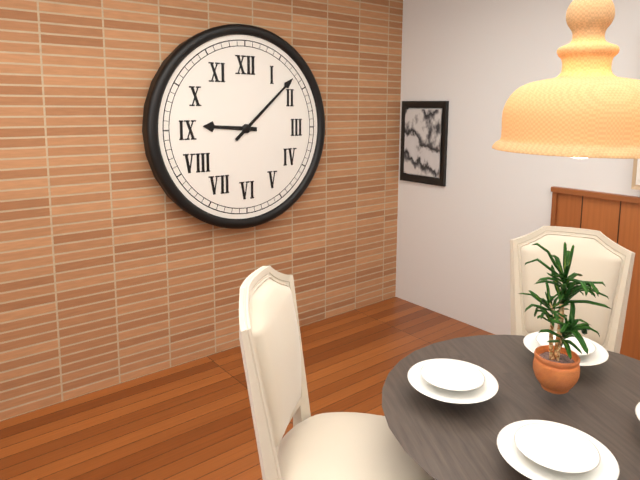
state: 9:08
